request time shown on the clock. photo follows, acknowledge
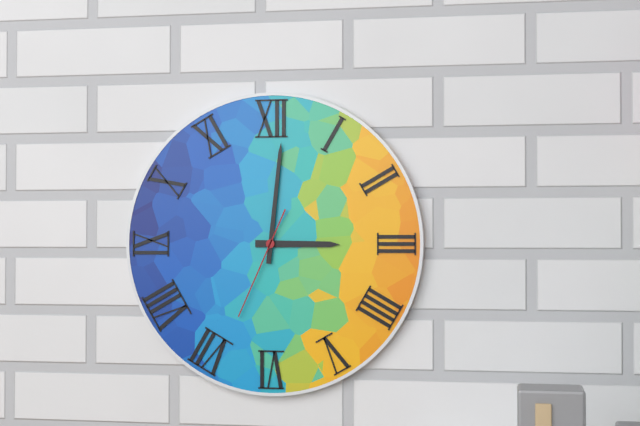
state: 3:01:34
